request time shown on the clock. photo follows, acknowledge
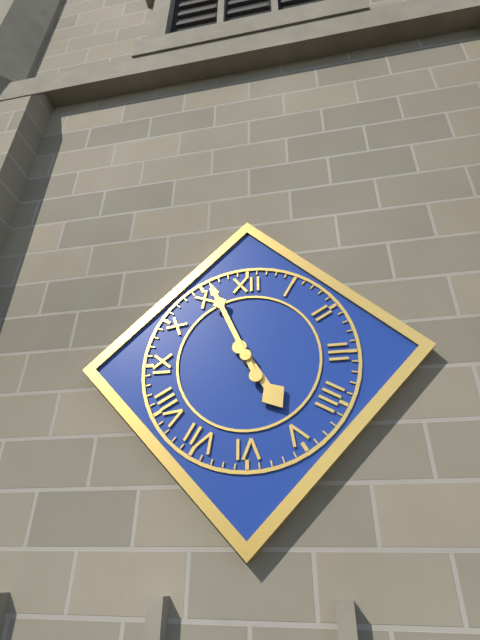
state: 4:56
